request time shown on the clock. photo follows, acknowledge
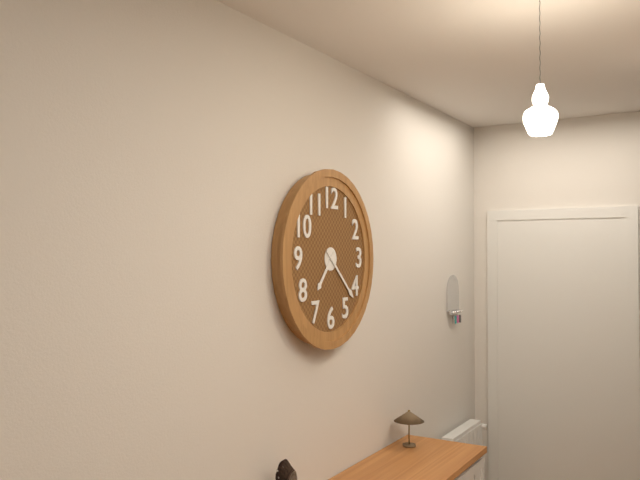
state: 7:22
